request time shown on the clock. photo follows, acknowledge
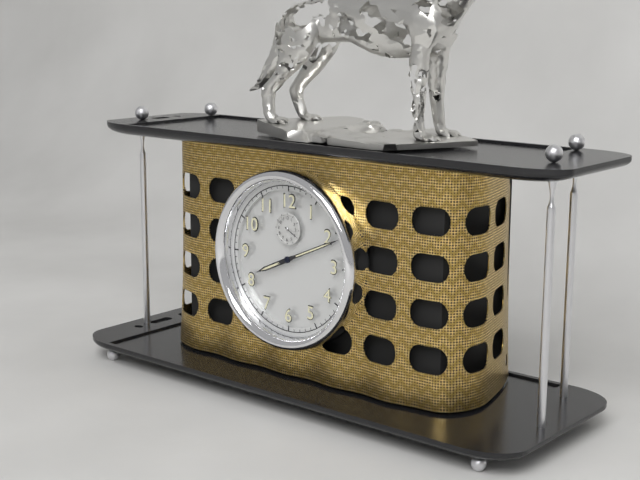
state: 8:11
